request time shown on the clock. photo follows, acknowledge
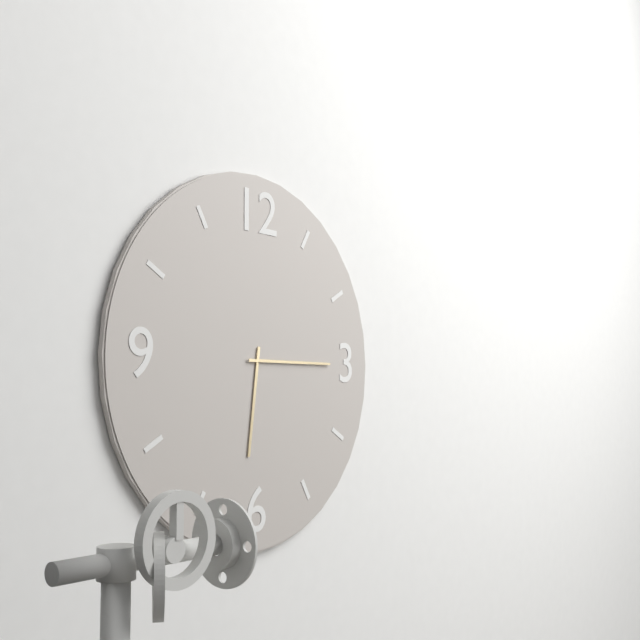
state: 6:15
